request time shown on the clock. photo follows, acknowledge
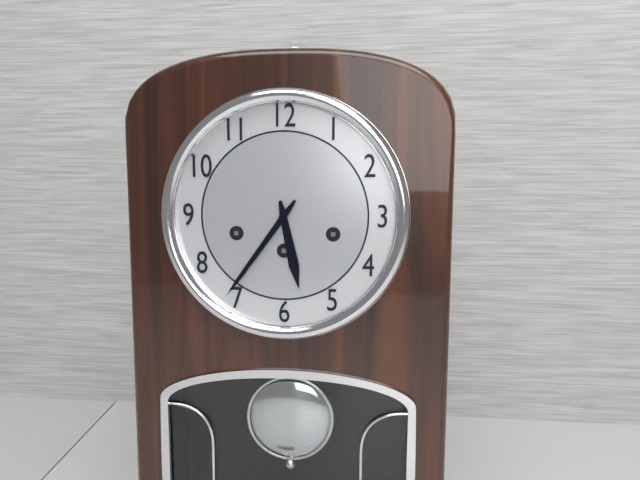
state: 5:36
